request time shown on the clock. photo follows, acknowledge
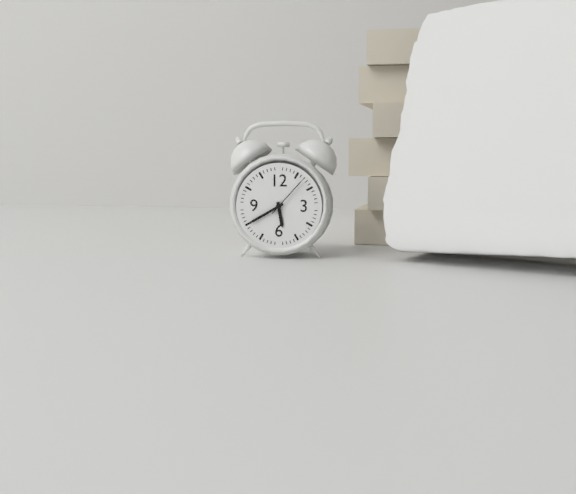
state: 5:40
